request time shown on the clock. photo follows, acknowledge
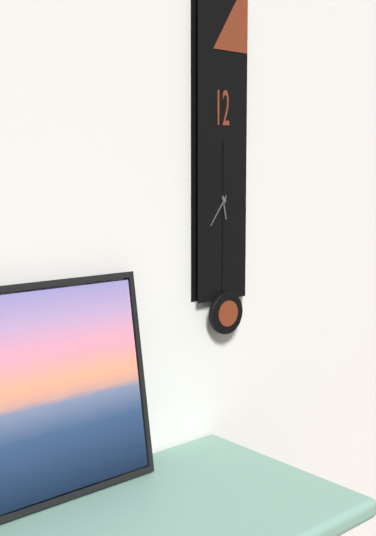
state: 5:36
